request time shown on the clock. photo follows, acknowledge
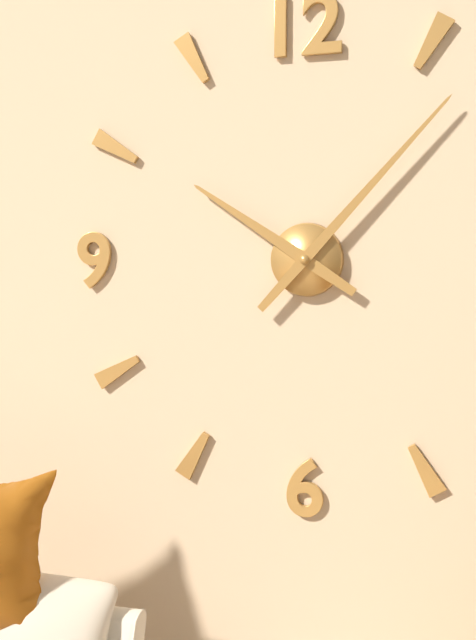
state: 10:07
